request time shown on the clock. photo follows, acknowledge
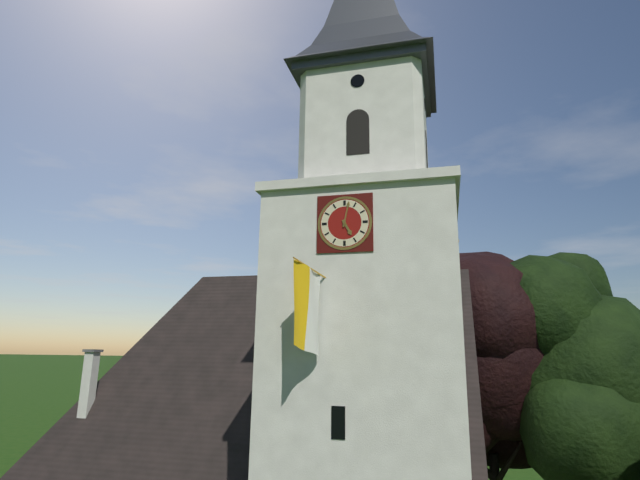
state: 5:02
